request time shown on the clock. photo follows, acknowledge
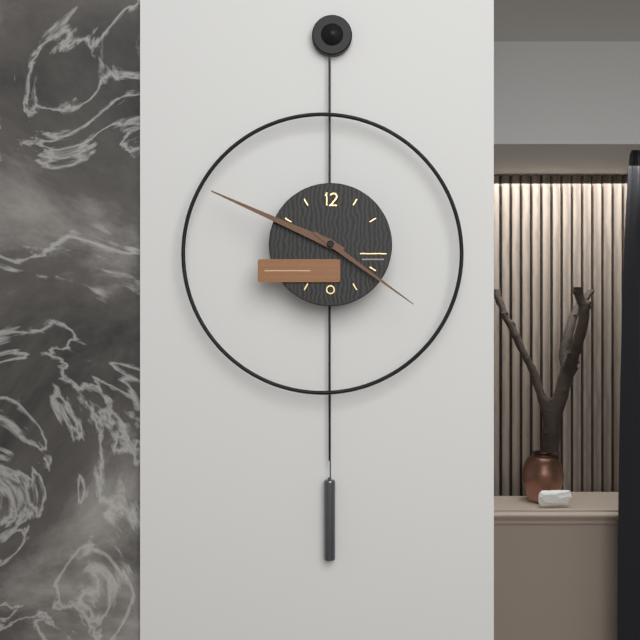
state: 9:49:21
